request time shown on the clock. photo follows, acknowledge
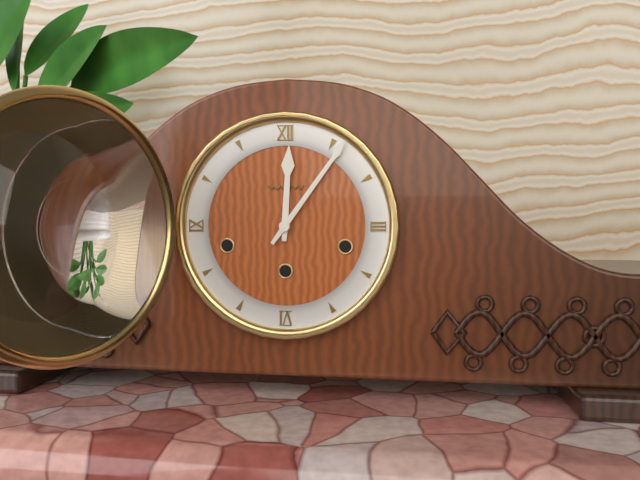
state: 12:06
